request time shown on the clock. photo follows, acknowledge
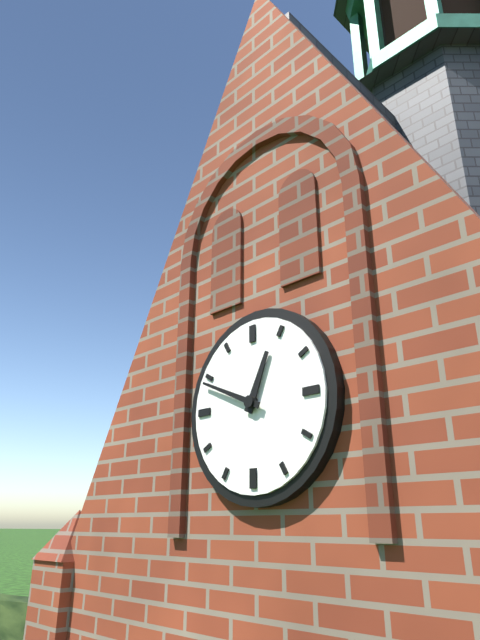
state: 12:49
